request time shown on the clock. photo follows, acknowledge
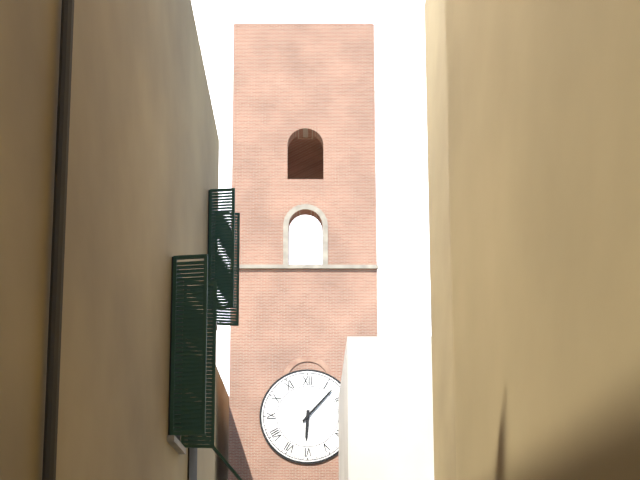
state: 6:07
